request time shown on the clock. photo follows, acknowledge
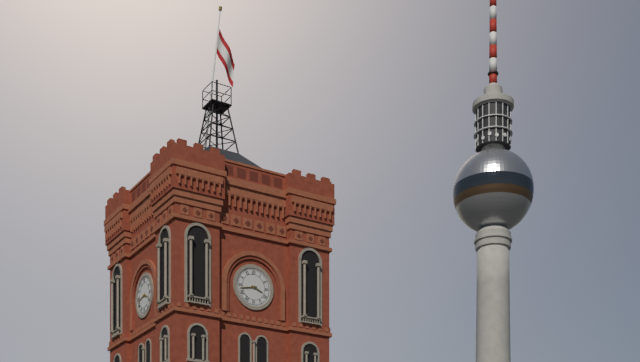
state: 3:43
